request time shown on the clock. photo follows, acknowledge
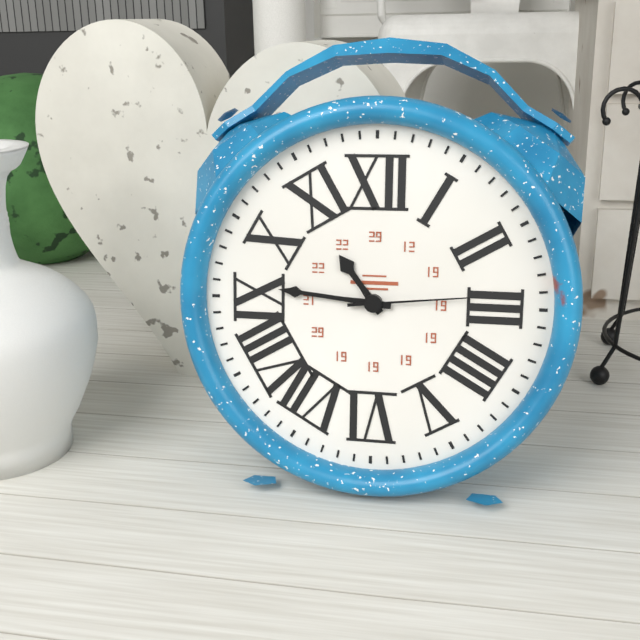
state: 10:46:14
